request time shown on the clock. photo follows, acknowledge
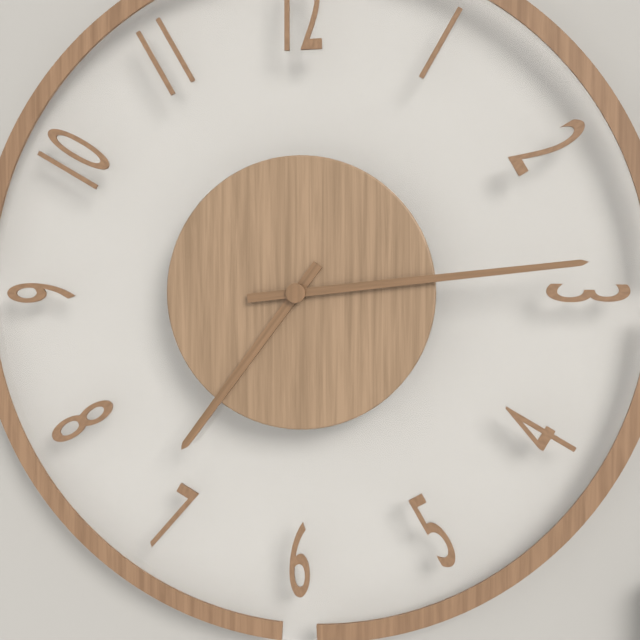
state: 7:14
